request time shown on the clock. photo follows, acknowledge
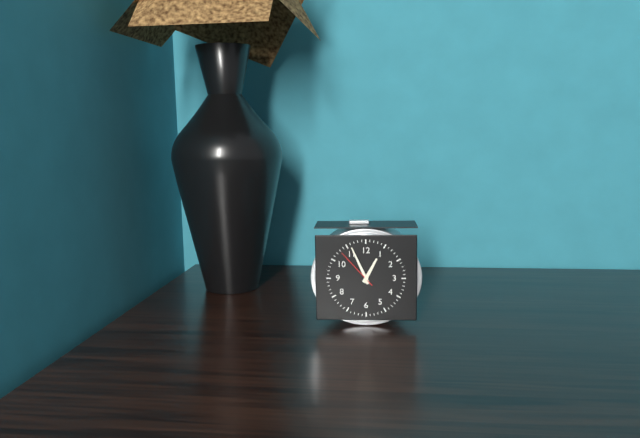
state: 12:56
